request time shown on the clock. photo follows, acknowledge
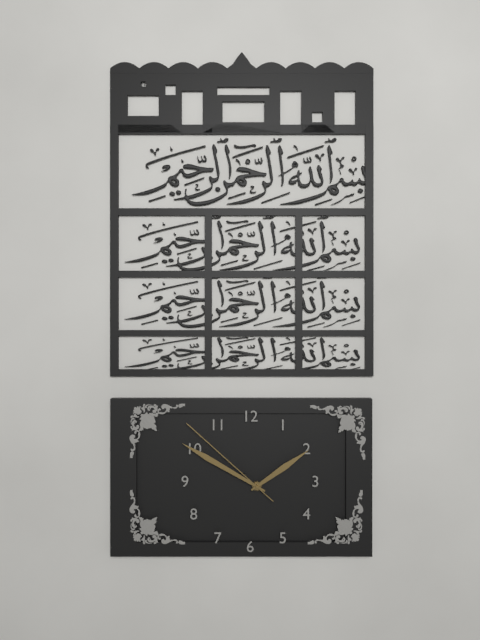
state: 1:50:52
